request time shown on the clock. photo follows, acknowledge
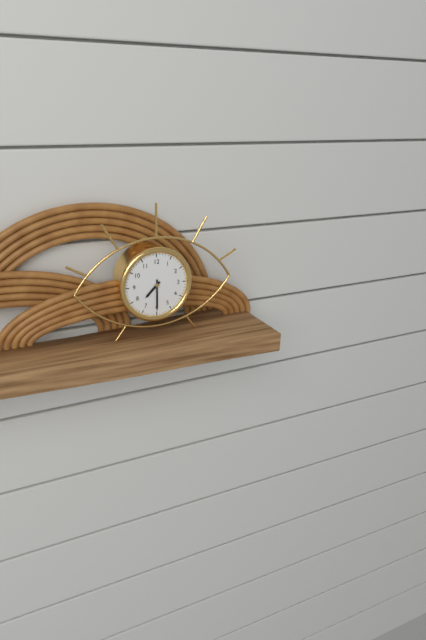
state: 7:30
